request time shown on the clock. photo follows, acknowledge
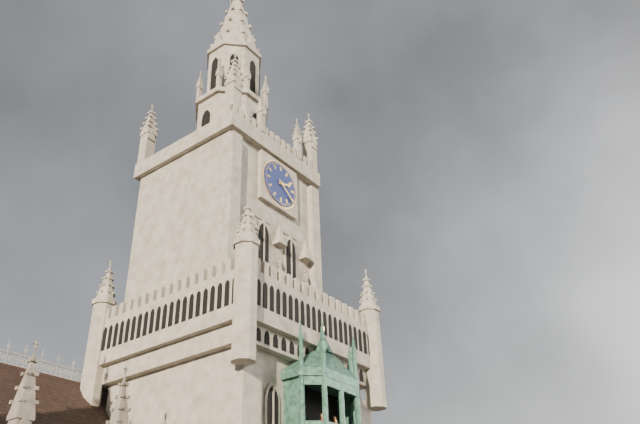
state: 2:21
